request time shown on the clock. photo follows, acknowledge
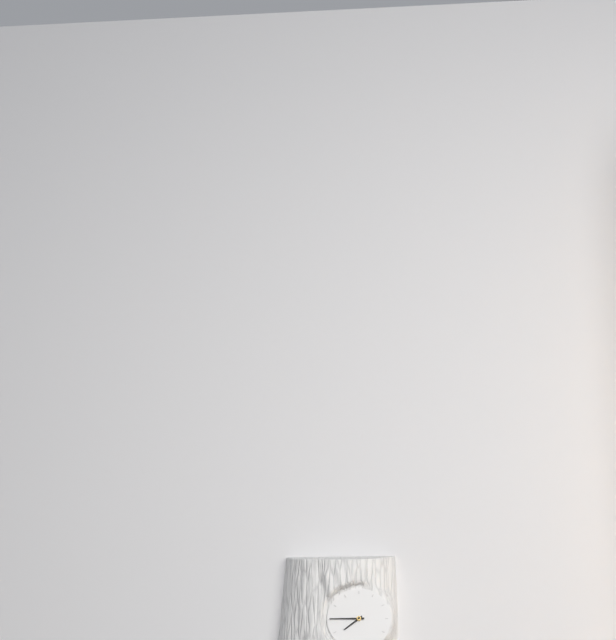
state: 7:45
